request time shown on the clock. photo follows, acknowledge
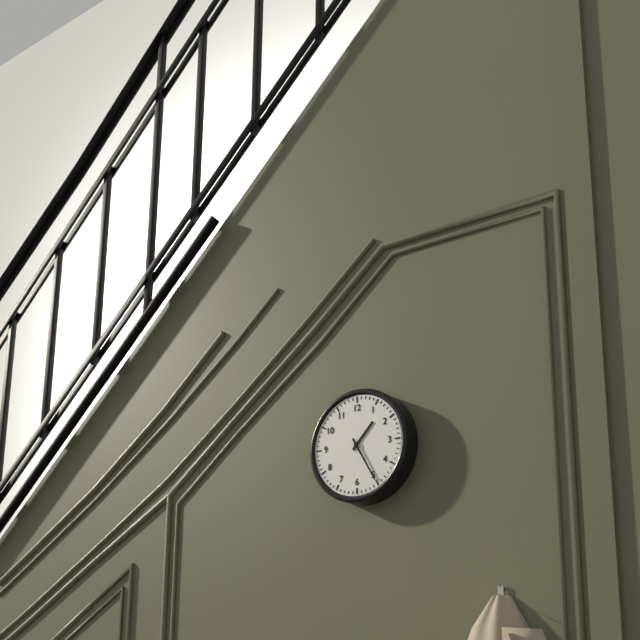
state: 1:25
